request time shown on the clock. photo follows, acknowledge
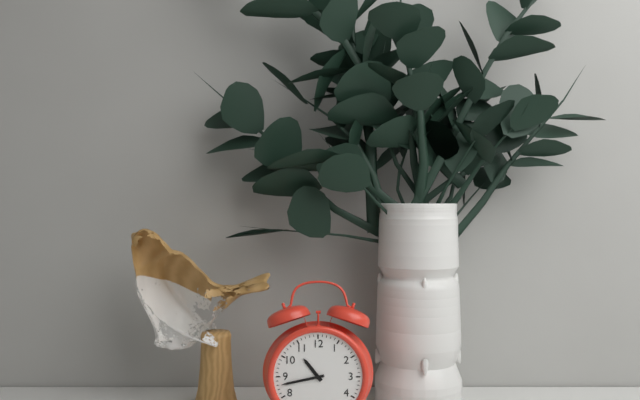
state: 10:43
